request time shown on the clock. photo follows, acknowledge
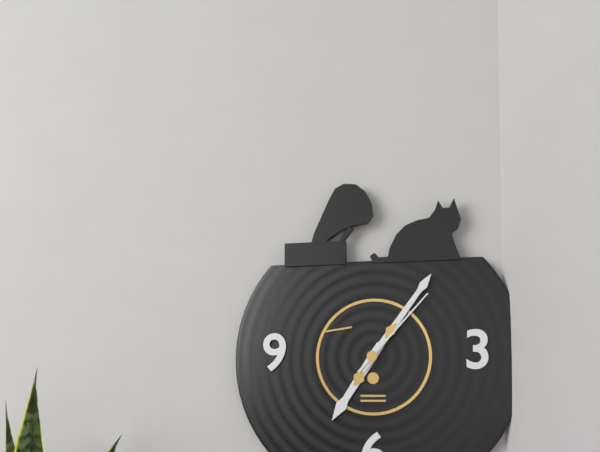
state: 7:06:07
